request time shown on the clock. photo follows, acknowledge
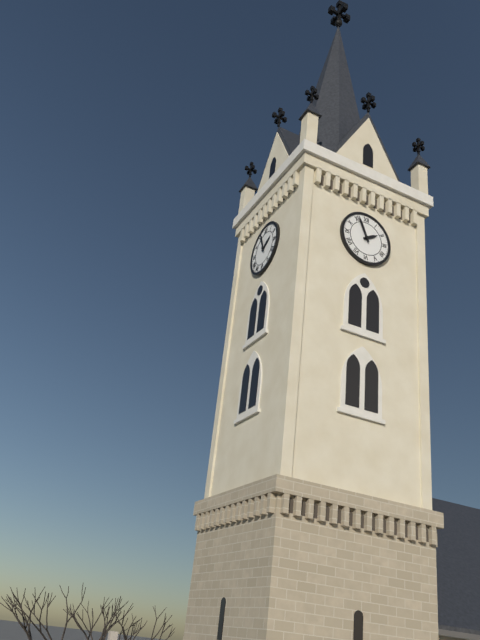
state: 1:56
